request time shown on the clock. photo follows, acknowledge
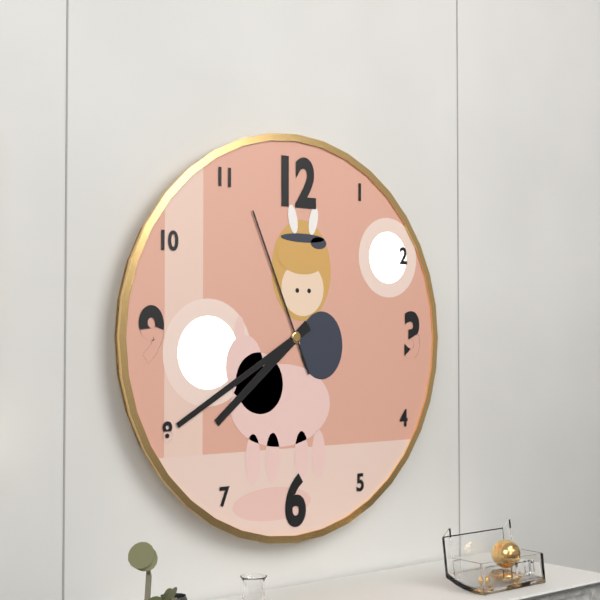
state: 7:40:56
